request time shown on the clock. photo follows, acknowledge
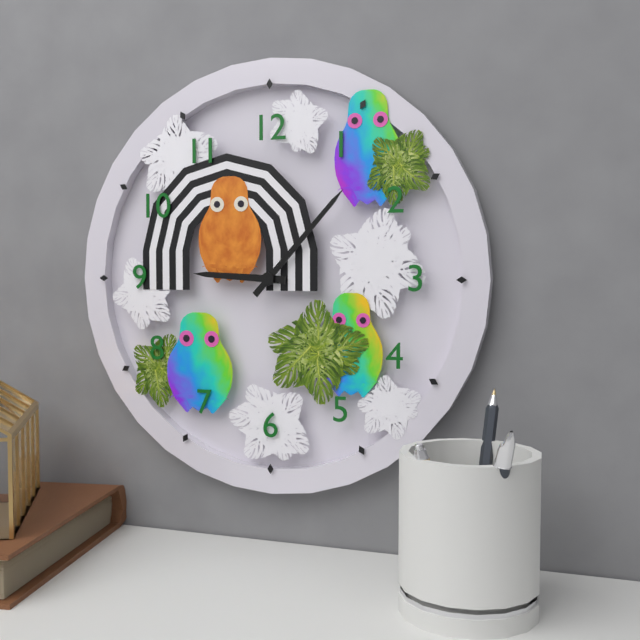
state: 9:07
